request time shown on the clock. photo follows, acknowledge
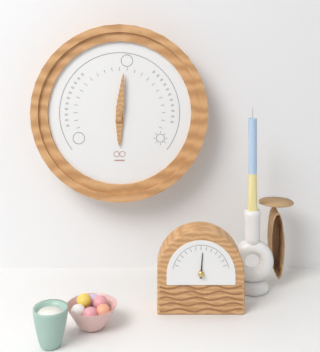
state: 6:01
